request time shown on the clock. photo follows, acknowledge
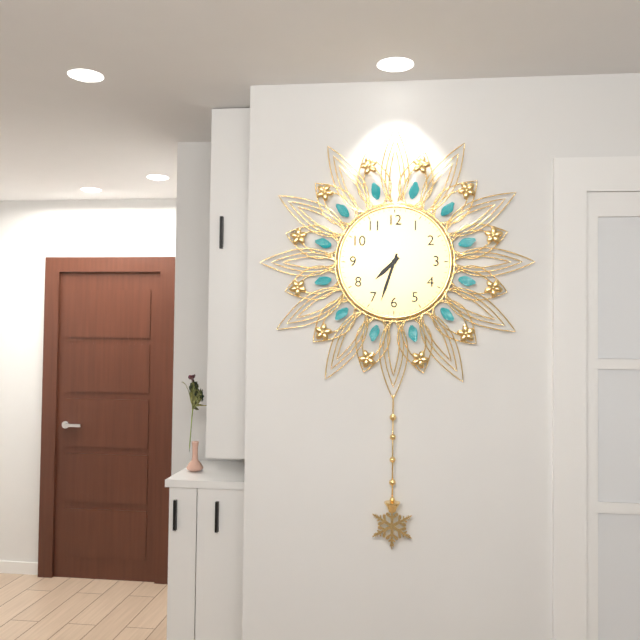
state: 7:33
